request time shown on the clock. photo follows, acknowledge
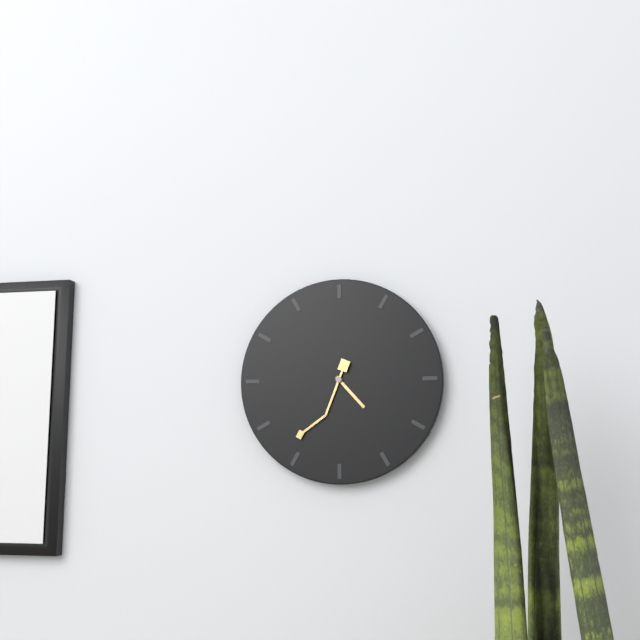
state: 4:36
